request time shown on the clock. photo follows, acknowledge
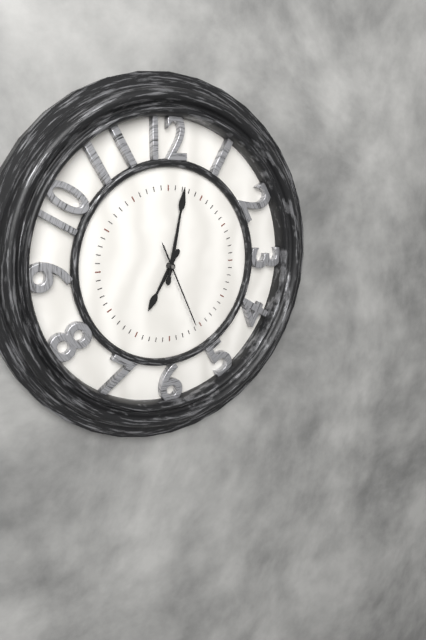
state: 7:02:26
